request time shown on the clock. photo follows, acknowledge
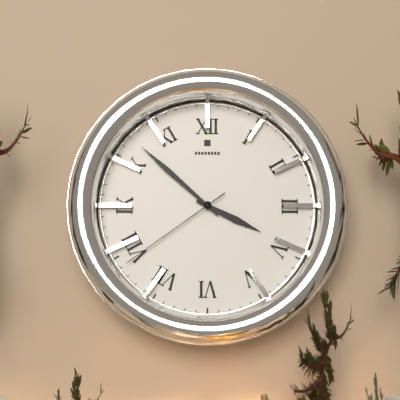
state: 3:52:39
